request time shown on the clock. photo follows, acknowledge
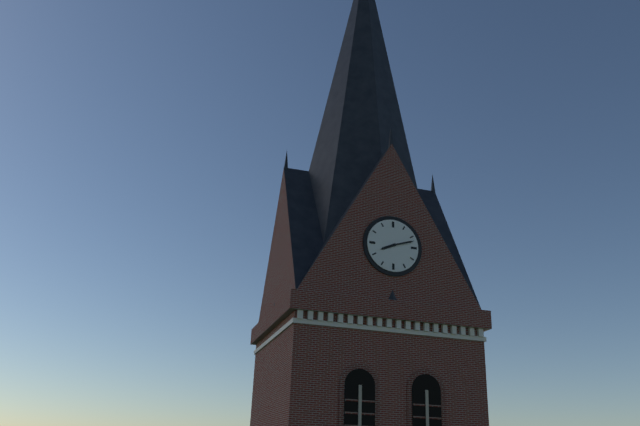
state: 8:12
